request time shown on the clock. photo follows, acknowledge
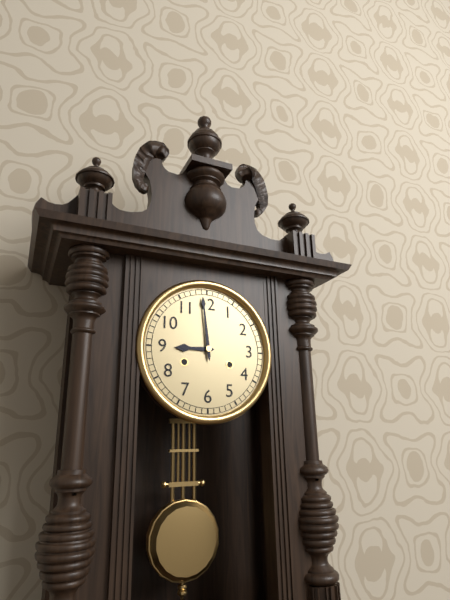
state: 8:59
